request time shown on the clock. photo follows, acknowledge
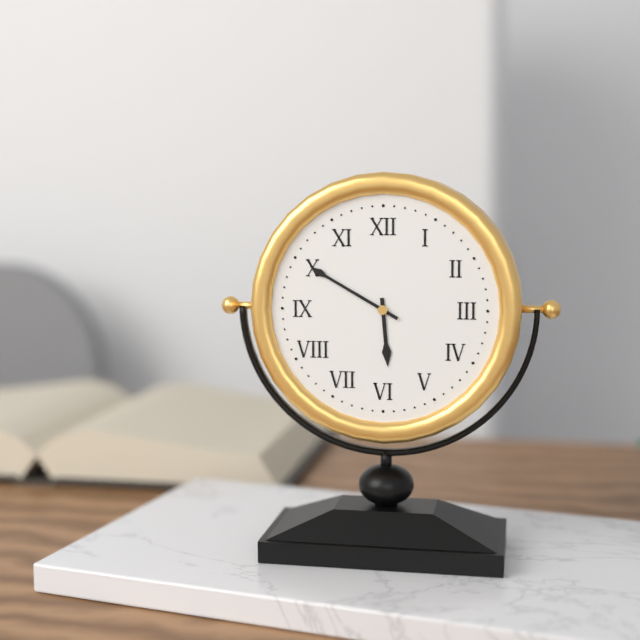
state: 5:50
